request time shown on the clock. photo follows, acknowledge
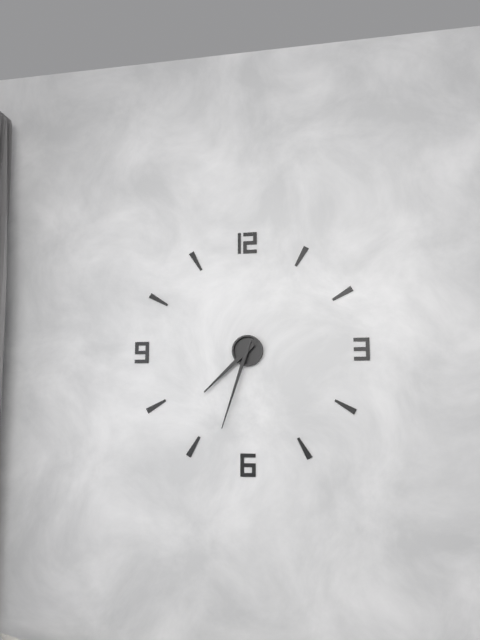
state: 7:33
